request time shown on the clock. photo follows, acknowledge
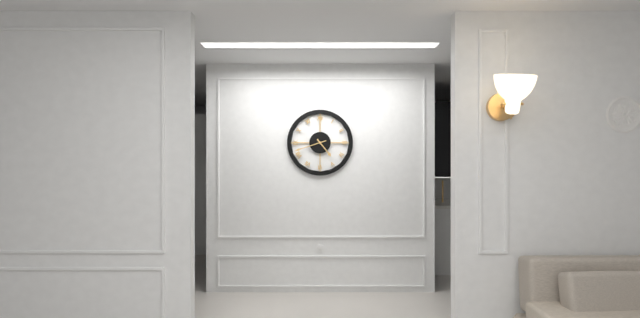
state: 4:42
